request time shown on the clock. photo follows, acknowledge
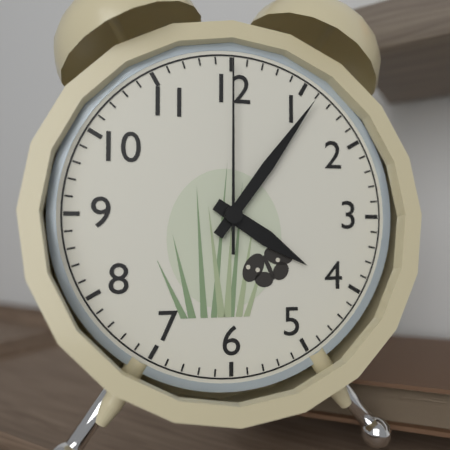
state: 4:06:00
